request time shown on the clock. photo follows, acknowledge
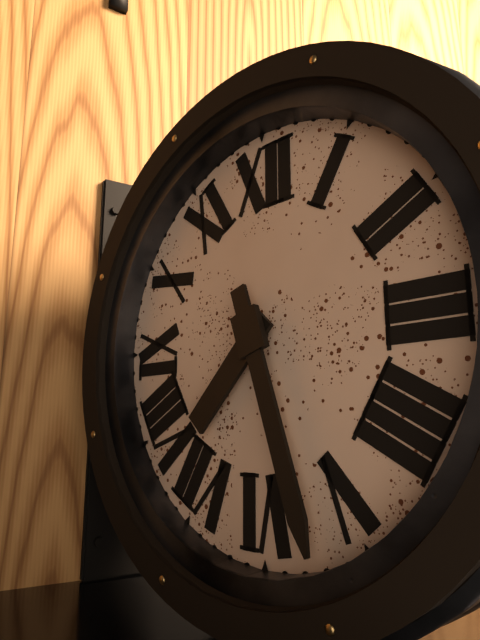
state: 7:27
